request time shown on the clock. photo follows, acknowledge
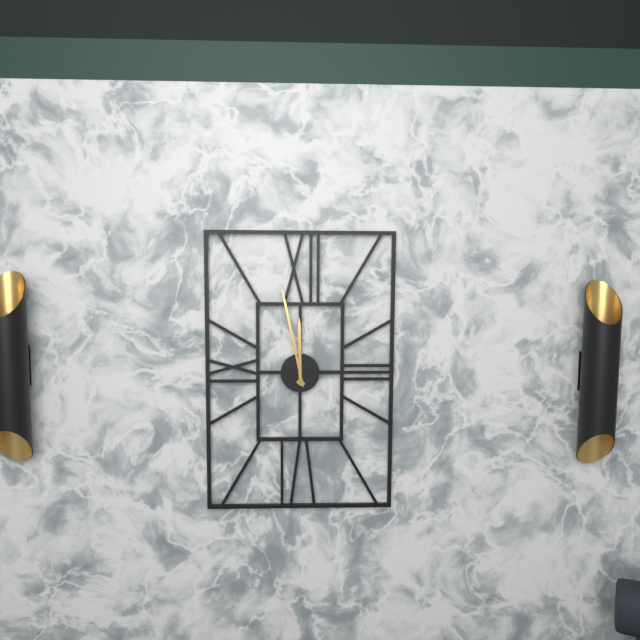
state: 11:58
